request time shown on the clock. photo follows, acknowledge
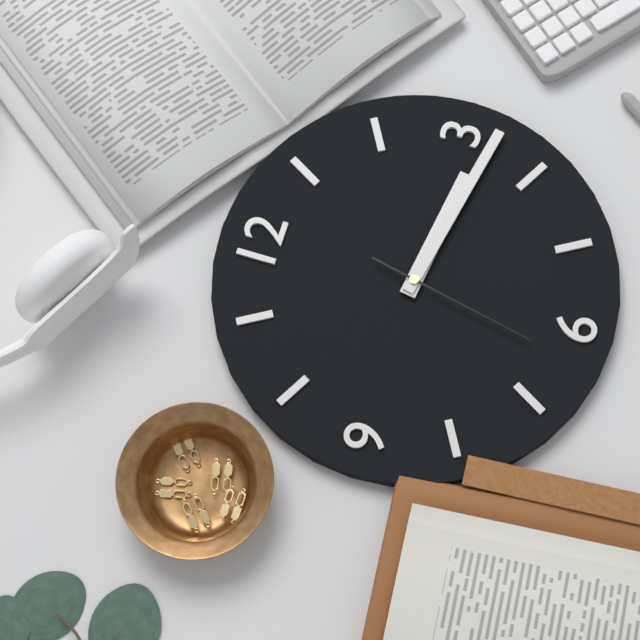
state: 3:17:32
